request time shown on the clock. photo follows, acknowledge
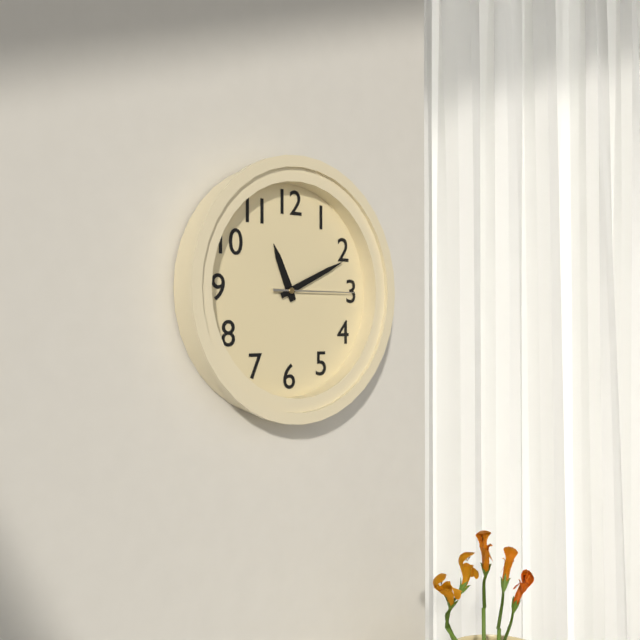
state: 11:11:15
